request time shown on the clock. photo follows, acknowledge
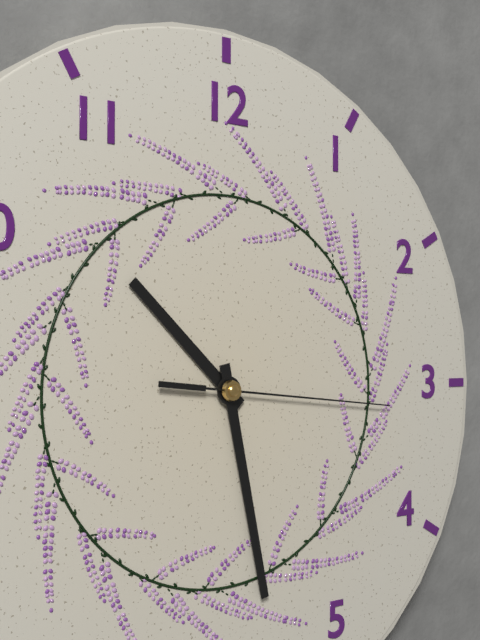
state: 10:28:16
